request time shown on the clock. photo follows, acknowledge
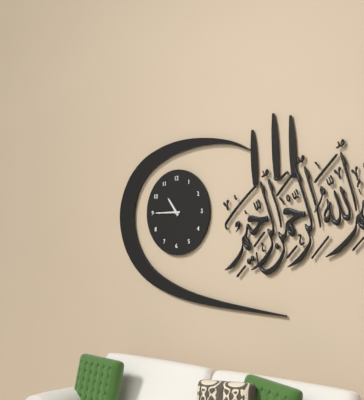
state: 10:45
